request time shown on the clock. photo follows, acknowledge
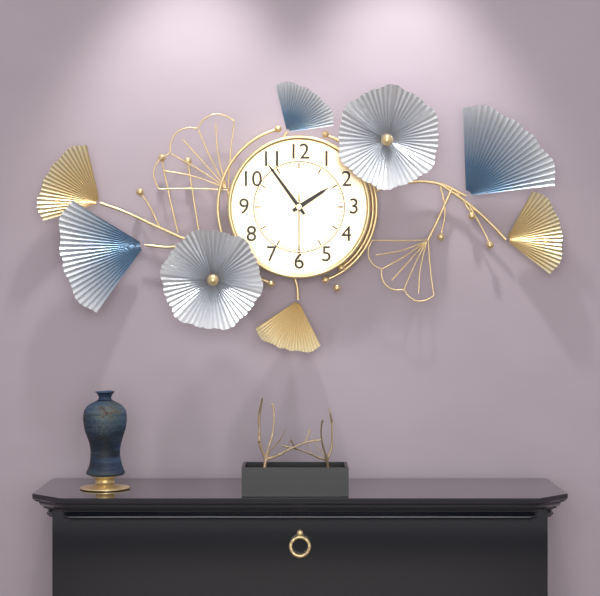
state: 1:54:30
